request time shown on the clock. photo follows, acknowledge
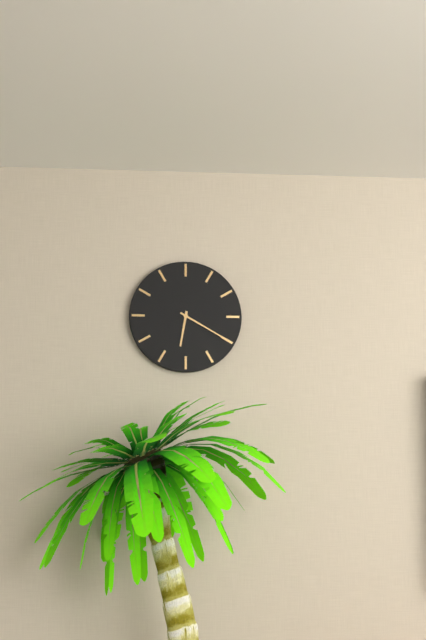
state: 6:20
